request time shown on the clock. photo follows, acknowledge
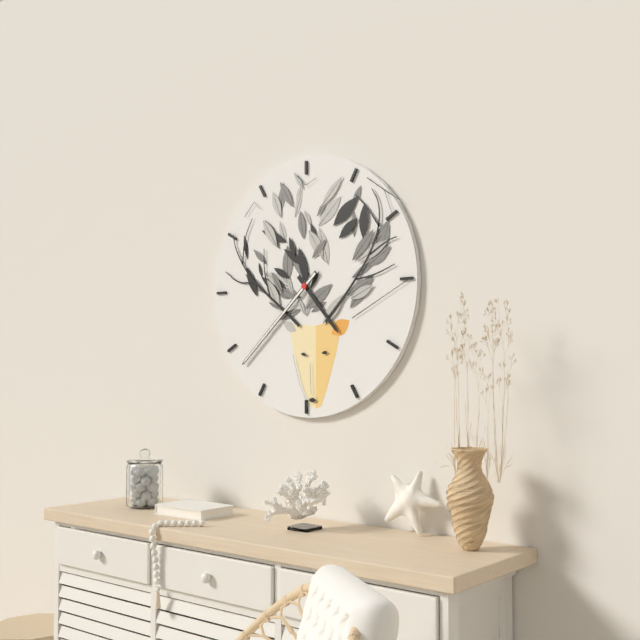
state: 4:38
